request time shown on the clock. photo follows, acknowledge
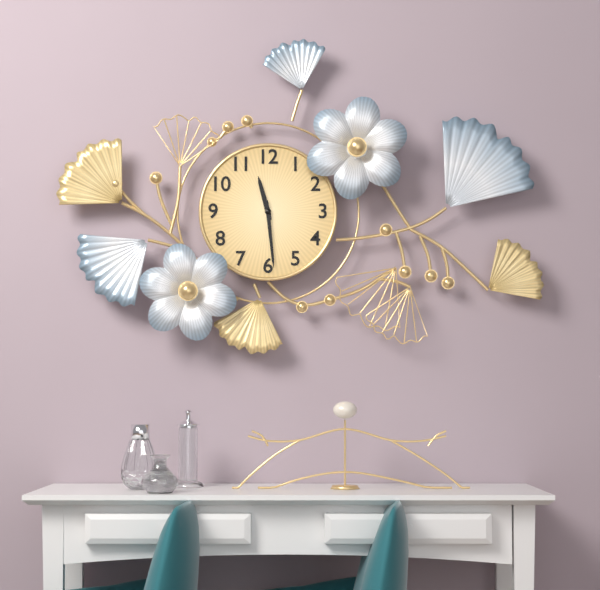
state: 11:29
